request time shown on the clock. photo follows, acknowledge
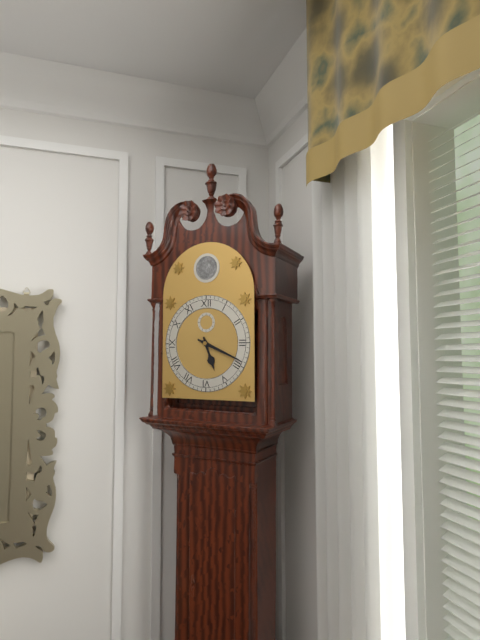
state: 5:19
